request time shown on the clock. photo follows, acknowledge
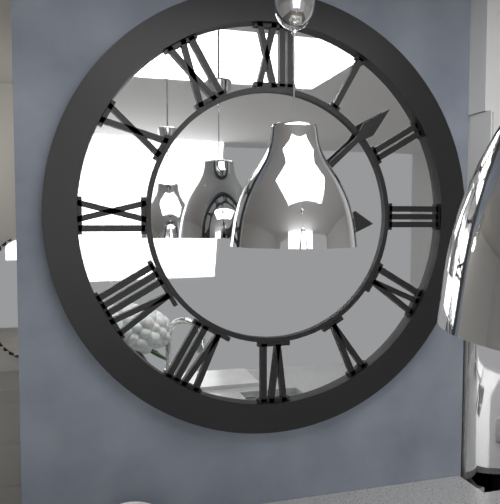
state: 3:08
